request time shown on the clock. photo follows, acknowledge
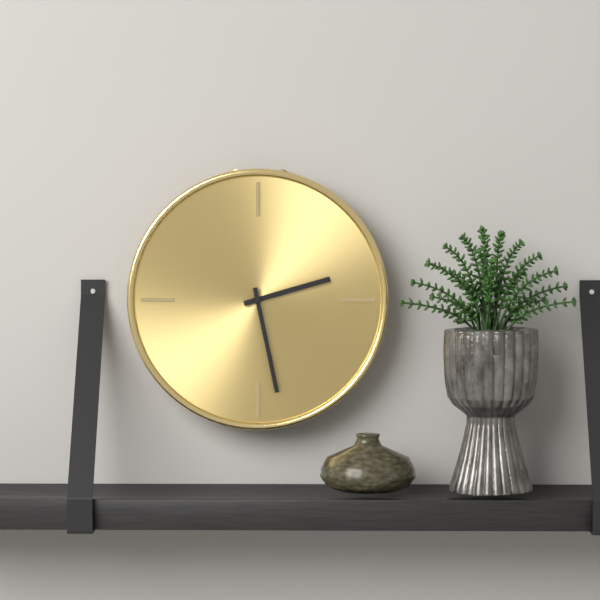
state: 2:28
